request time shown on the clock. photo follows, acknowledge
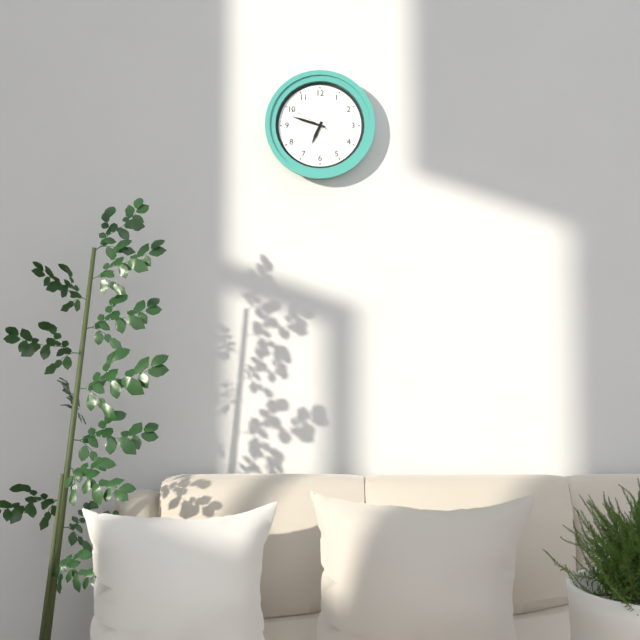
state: 6:48
